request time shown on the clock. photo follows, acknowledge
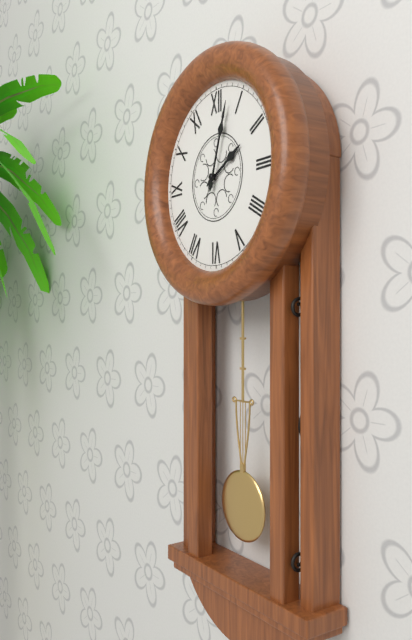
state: 2:03
